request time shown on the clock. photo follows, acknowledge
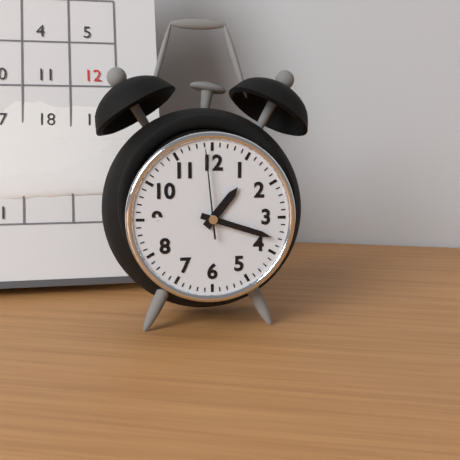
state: 1:18:59
